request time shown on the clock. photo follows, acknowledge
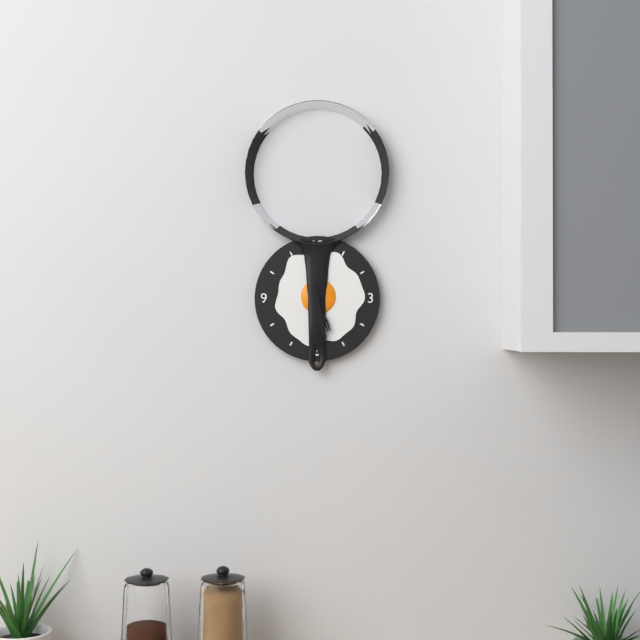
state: 5:28
